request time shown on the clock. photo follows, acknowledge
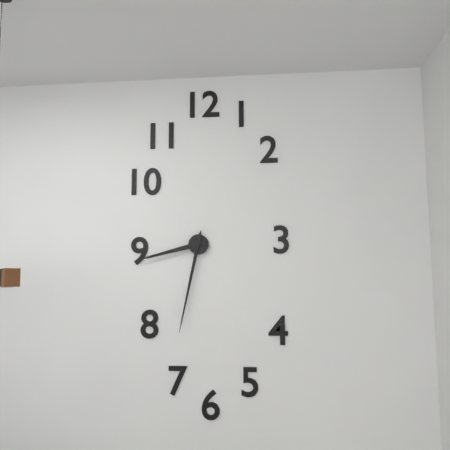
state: 8:32
